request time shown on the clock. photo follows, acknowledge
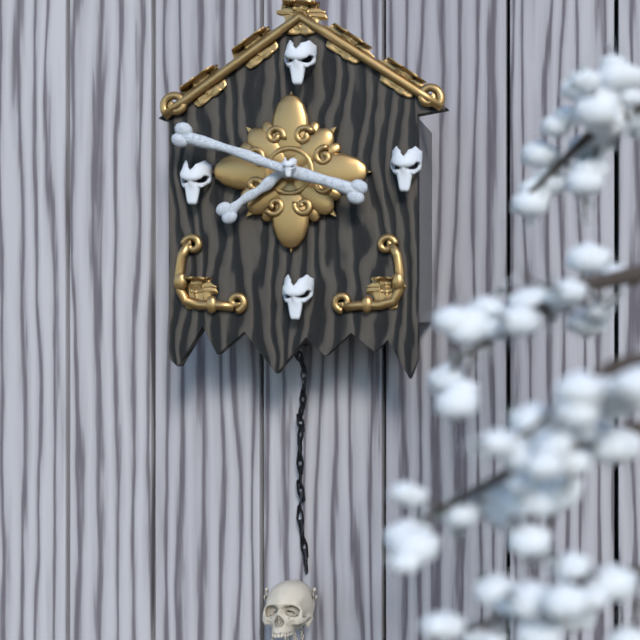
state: 7:48
